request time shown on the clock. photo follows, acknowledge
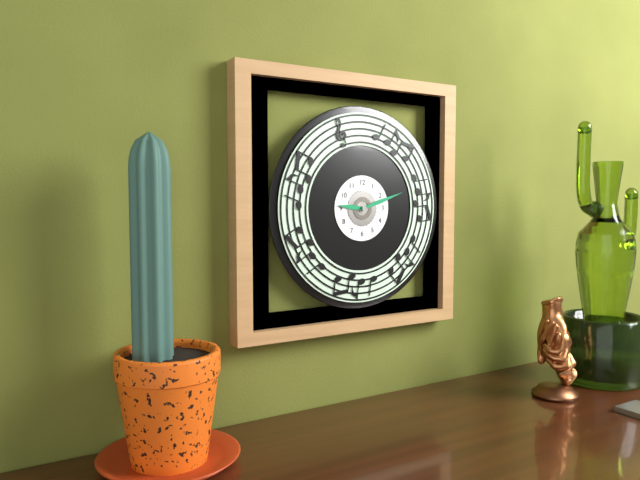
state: 9:12
